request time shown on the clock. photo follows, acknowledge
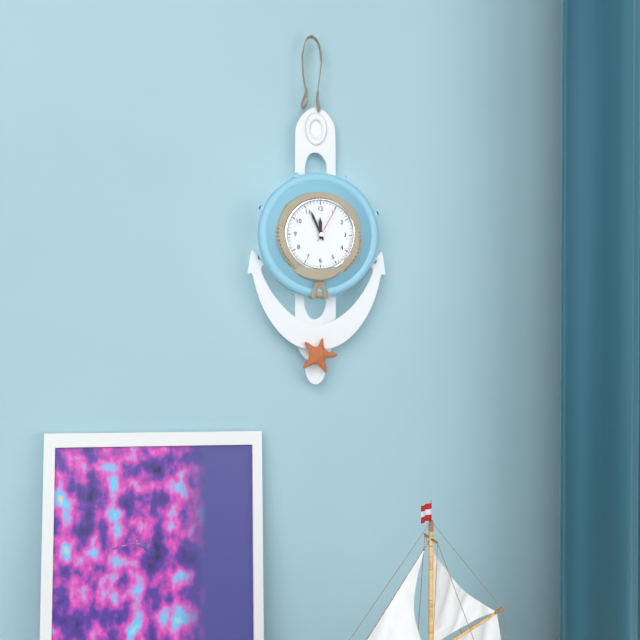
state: 11:56
